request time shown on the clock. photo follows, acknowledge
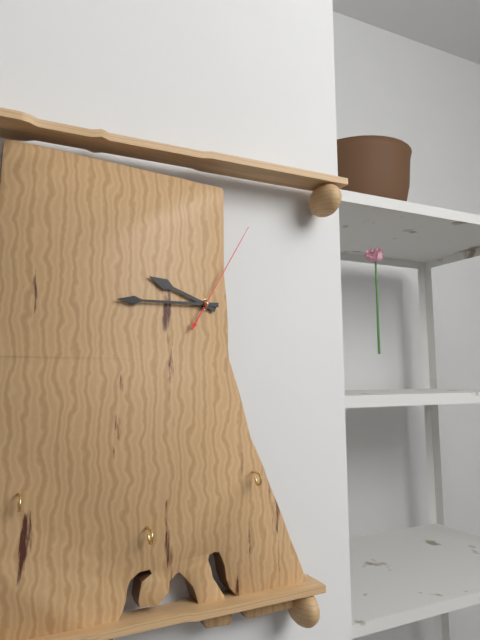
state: 9:45:05
